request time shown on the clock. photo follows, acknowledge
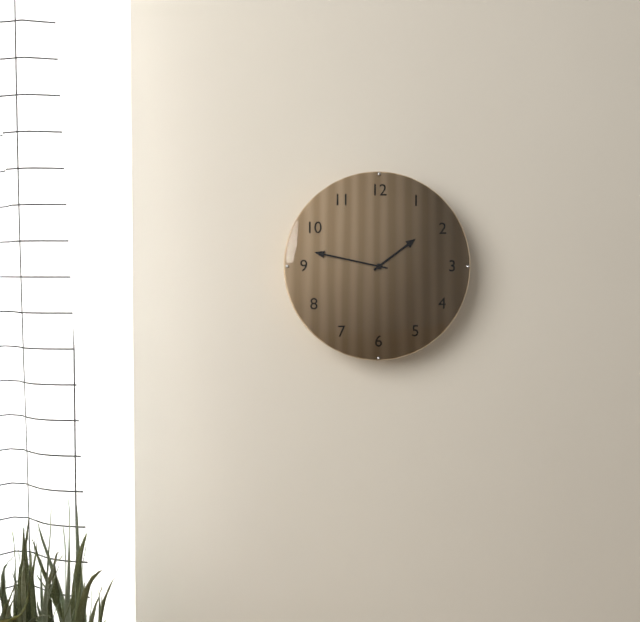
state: 1:47
